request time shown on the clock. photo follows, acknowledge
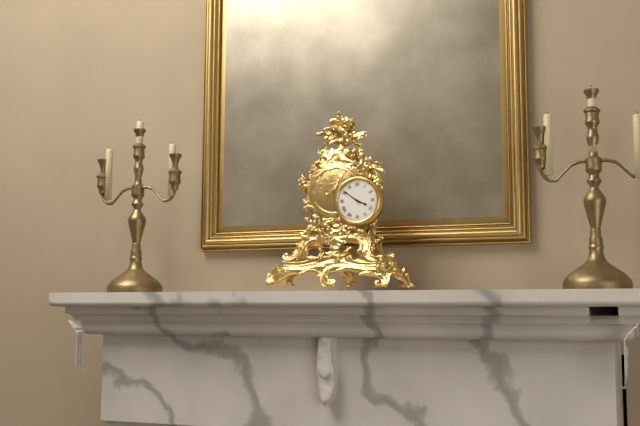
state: 3:51
